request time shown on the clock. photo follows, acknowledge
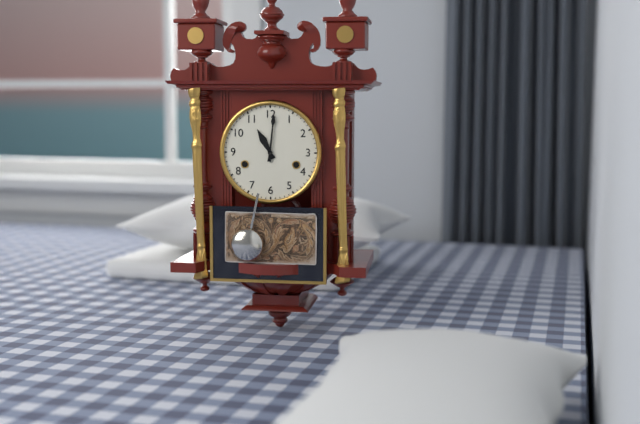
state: 11:01
